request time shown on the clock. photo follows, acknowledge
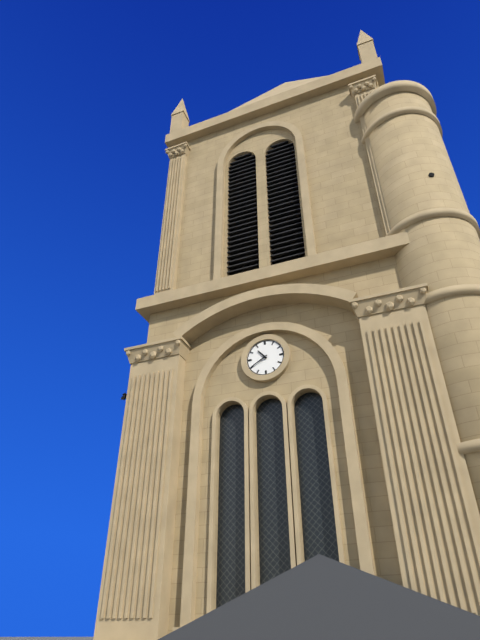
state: 10:40
